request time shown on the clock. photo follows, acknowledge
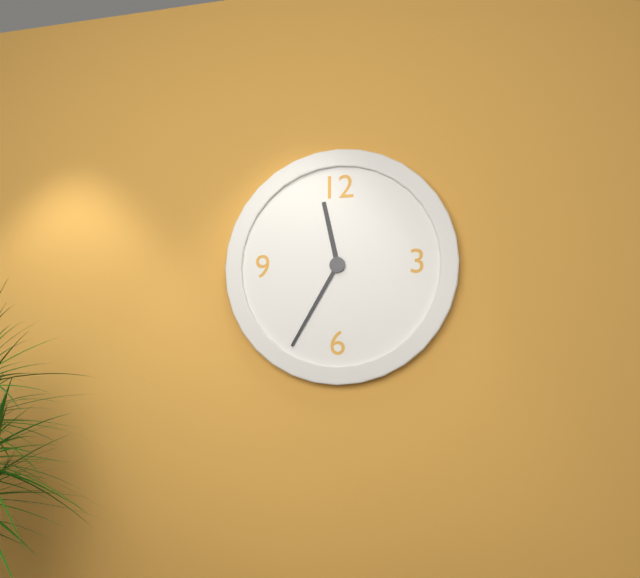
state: 11:35
